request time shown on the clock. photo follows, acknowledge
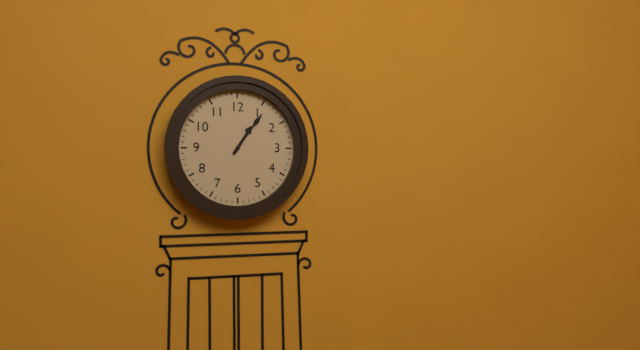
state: 1:06
